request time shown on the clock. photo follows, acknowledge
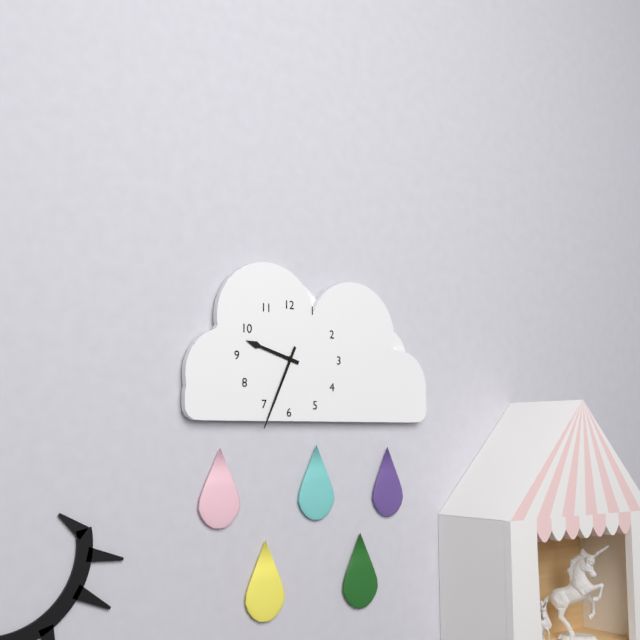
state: 9:34
